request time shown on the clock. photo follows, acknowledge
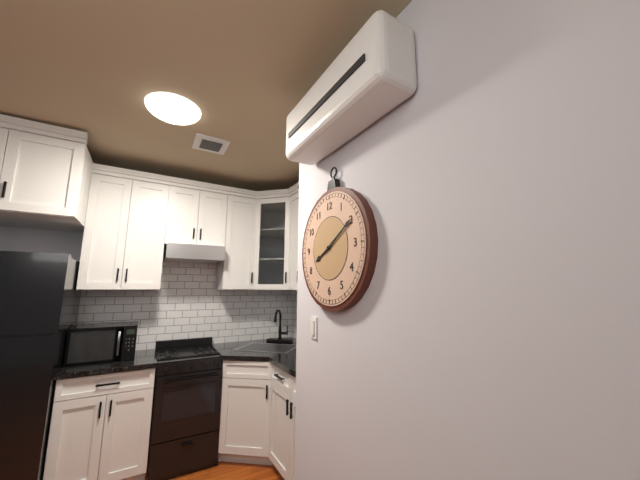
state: 8:10
